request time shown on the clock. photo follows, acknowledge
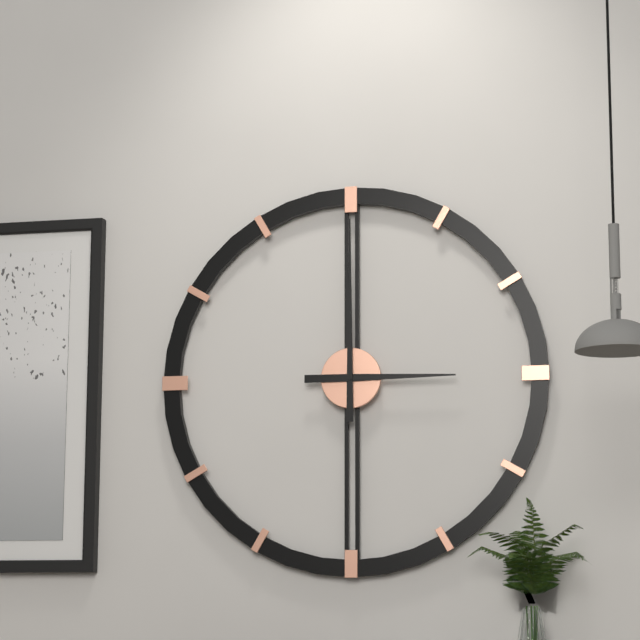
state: 3:00
